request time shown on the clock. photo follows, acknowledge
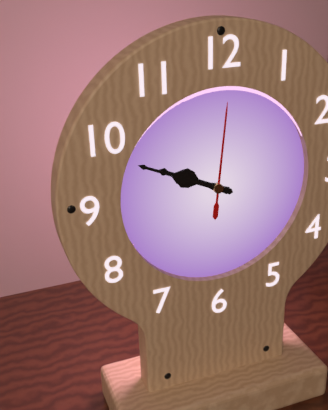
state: 9:49:01
